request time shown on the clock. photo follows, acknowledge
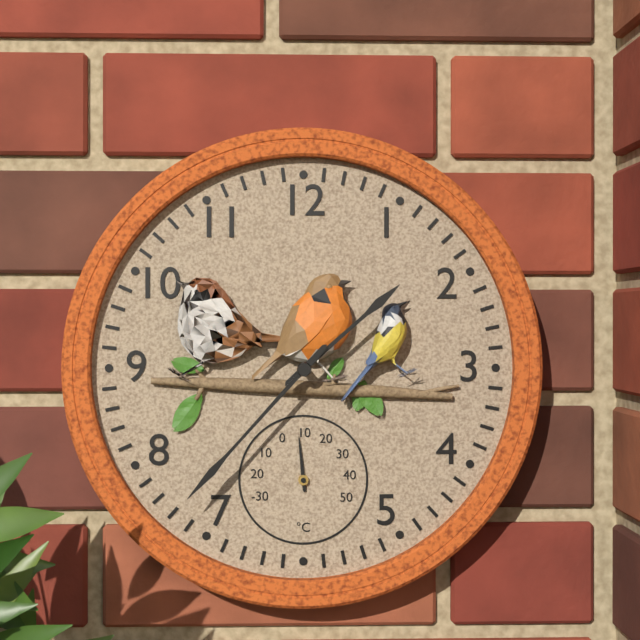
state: 1:37
